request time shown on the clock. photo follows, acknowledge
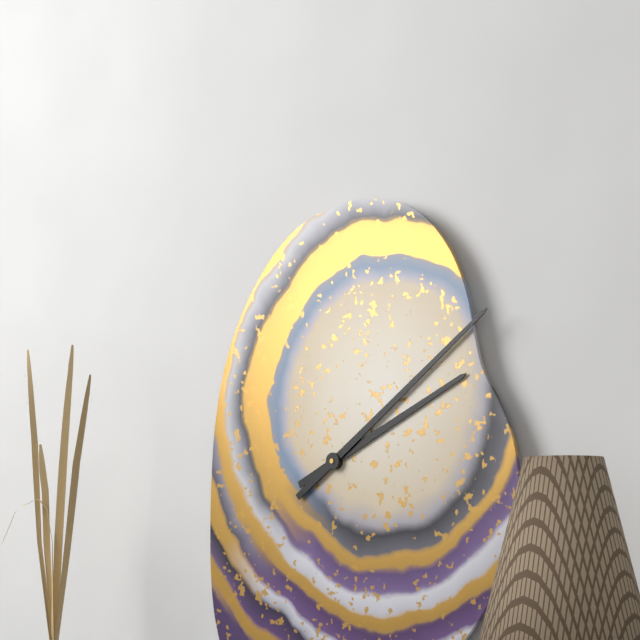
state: 2:09
